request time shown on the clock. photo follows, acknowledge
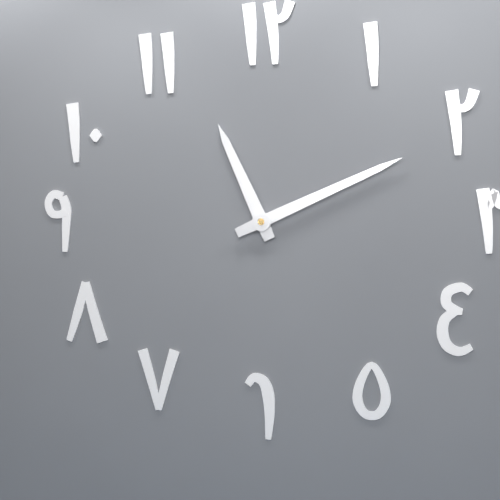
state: 11:11
